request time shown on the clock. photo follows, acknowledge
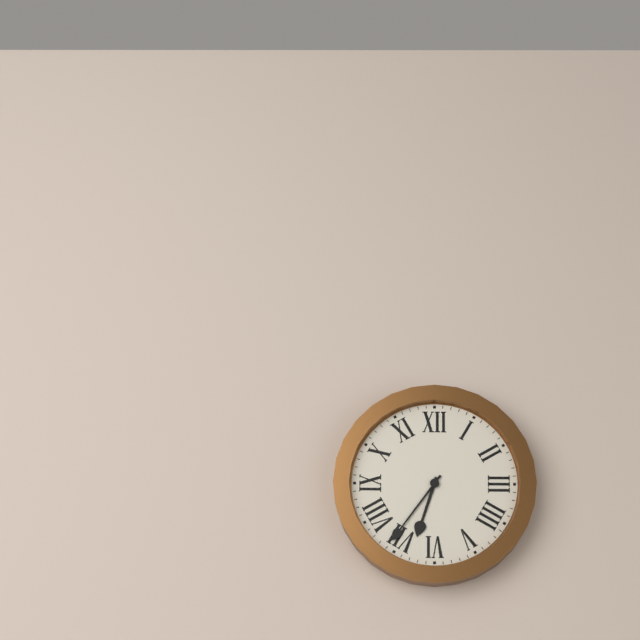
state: 6:36
